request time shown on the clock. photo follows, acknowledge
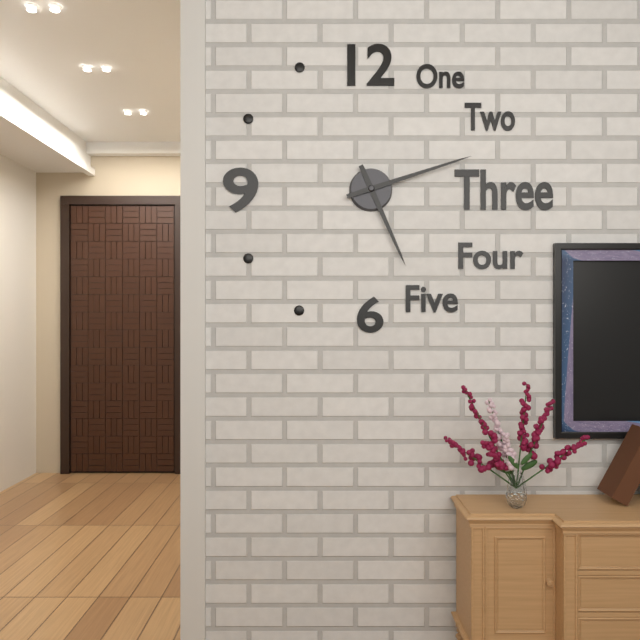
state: 5:12
